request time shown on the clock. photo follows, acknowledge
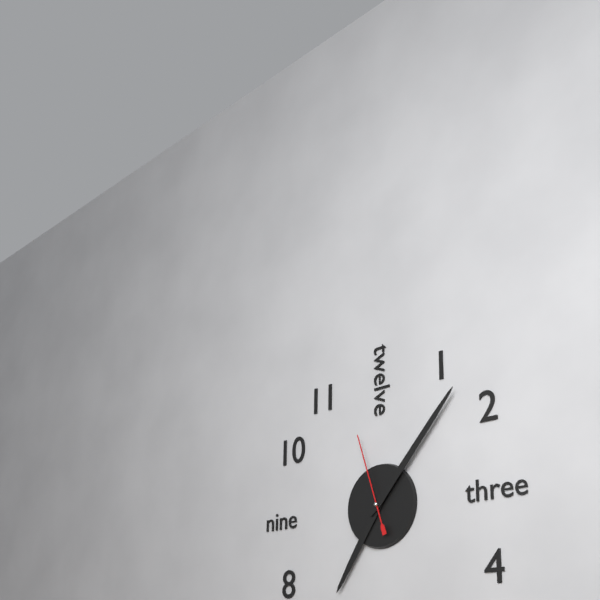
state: 7:07:57
